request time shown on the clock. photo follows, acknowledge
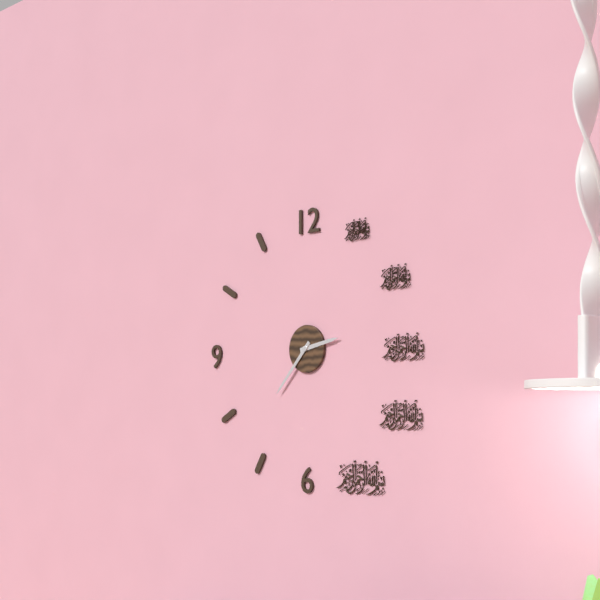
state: 2:37
